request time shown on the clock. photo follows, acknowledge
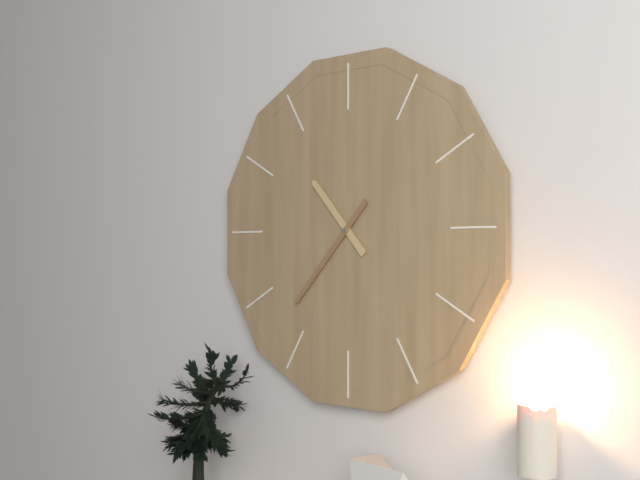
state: 10:37
